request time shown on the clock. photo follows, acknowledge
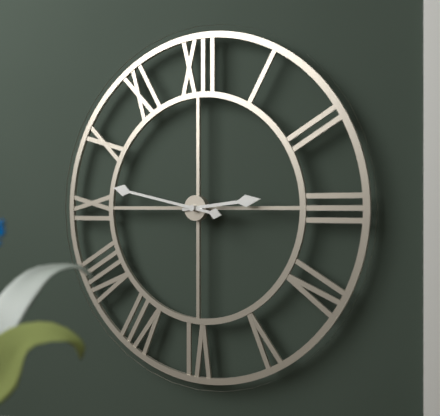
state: 2:47
